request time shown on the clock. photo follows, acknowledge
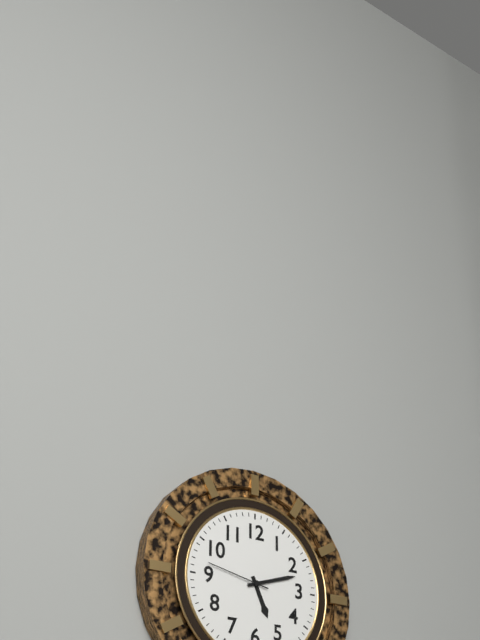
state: 5:12:47
